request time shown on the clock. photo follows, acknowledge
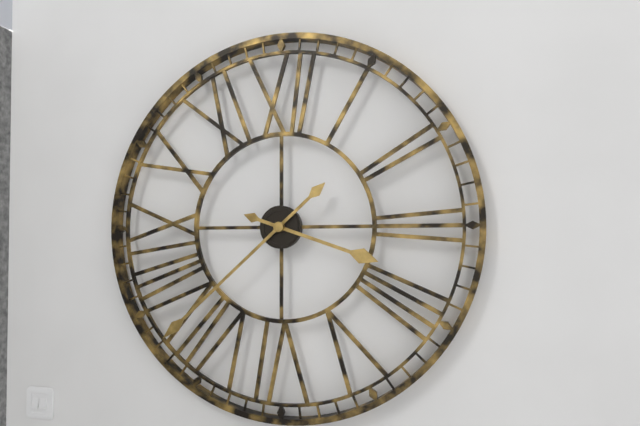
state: 3:38
